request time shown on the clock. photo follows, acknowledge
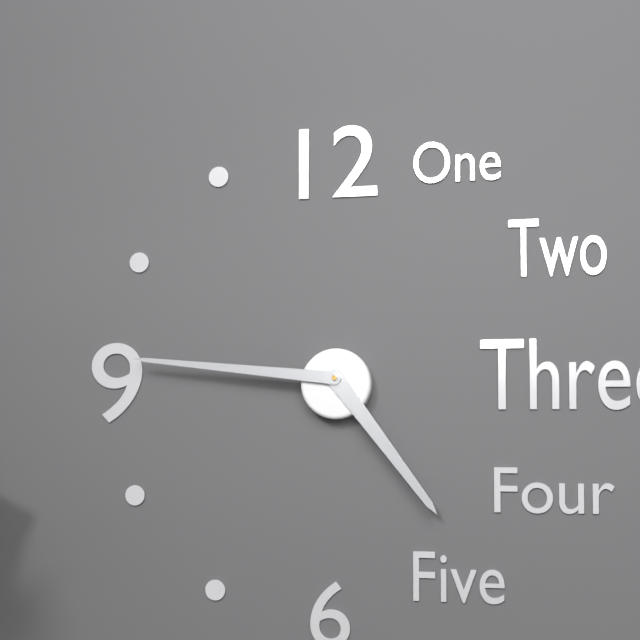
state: 4:46
